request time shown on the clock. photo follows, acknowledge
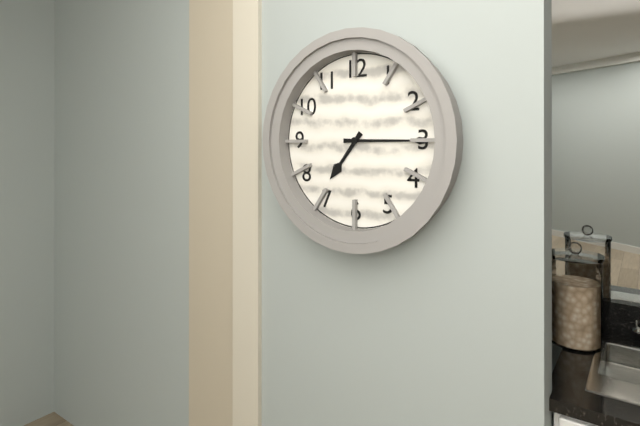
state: 7:15
